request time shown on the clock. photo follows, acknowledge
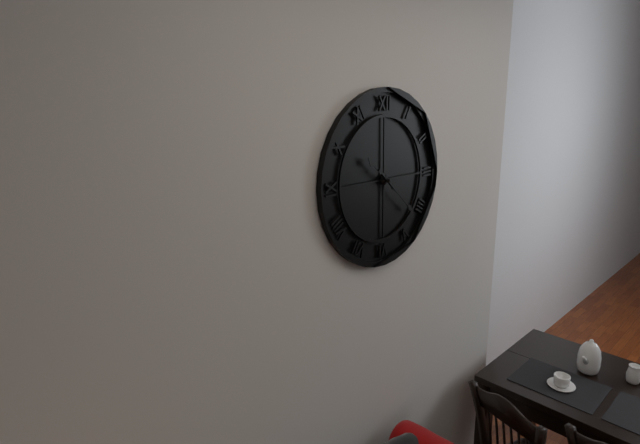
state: 10:22
